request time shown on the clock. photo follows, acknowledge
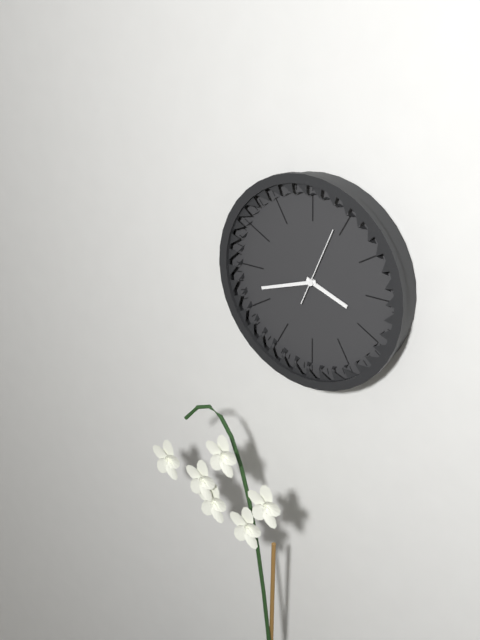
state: 3:42:04
